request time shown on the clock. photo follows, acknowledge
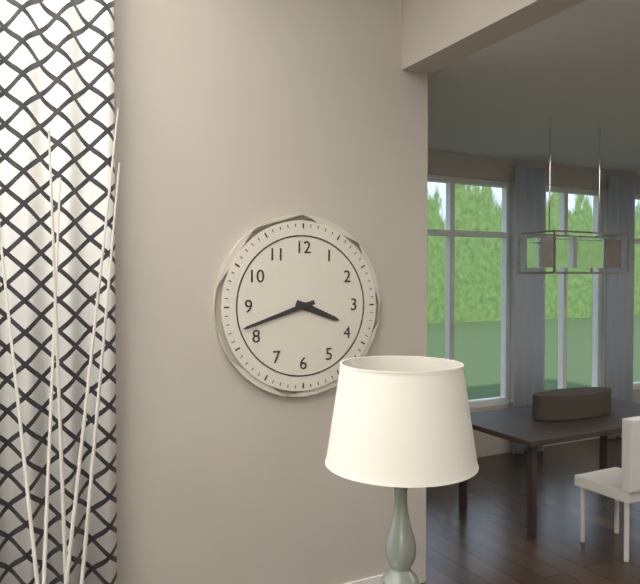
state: 3:42
